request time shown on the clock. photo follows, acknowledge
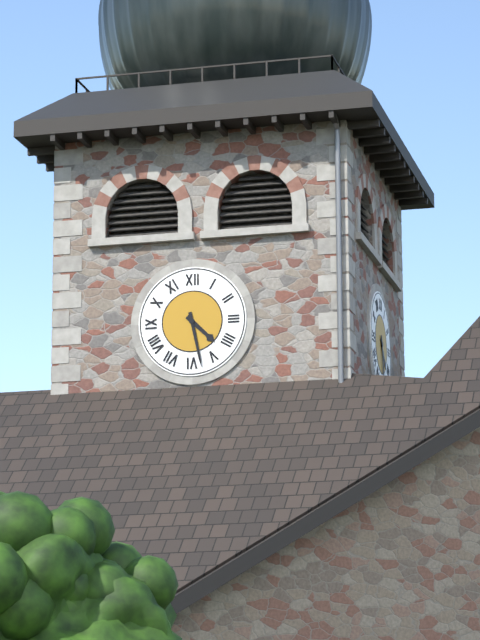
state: 4:28
